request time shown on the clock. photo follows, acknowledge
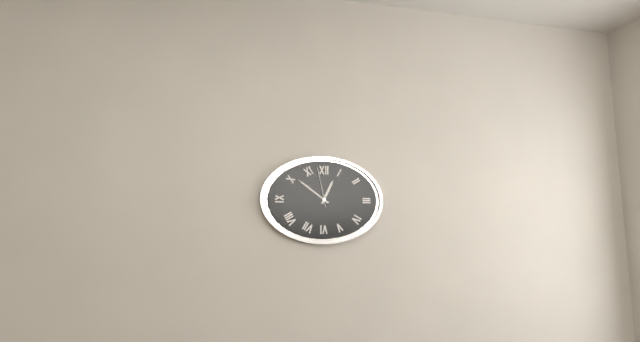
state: 12:51
